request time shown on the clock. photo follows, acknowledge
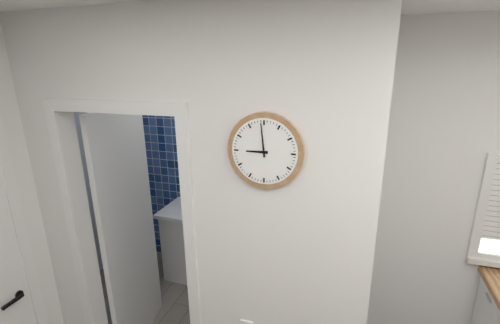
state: 8:59
